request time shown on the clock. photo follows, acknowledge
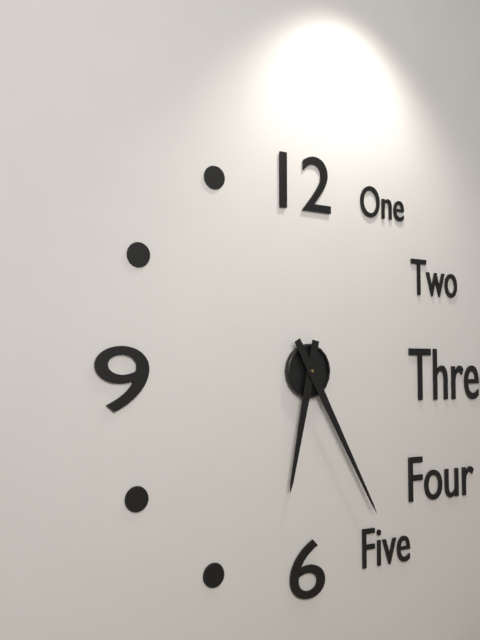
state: 6:25
